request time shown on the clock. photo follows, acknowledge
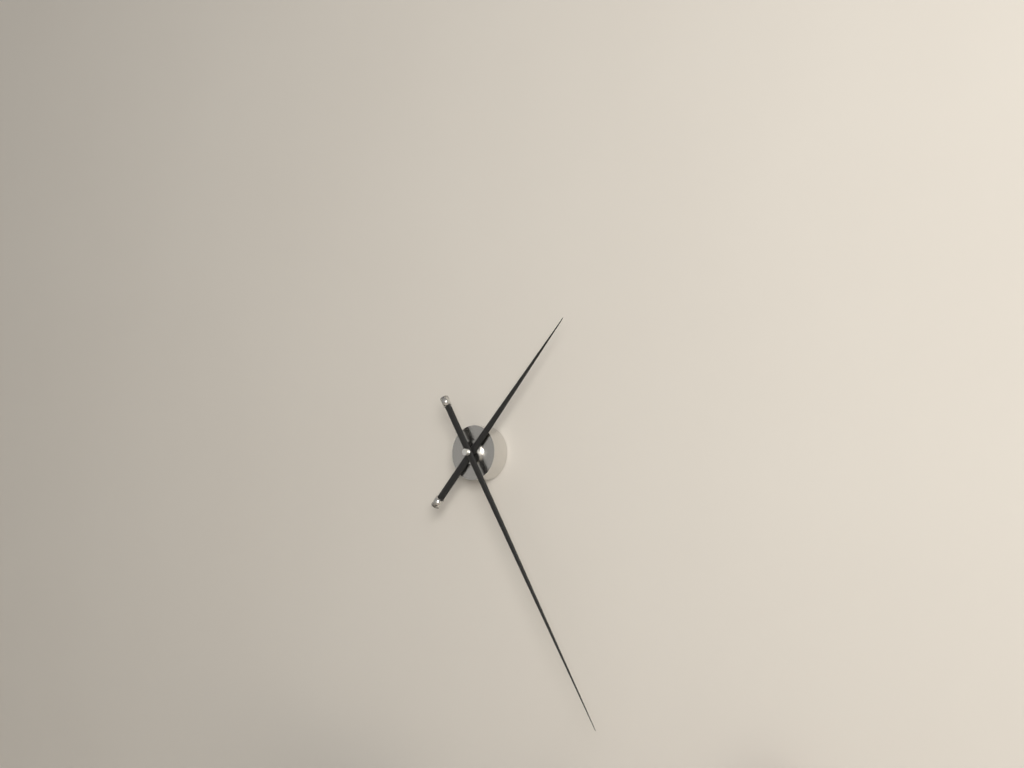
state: 1:25
